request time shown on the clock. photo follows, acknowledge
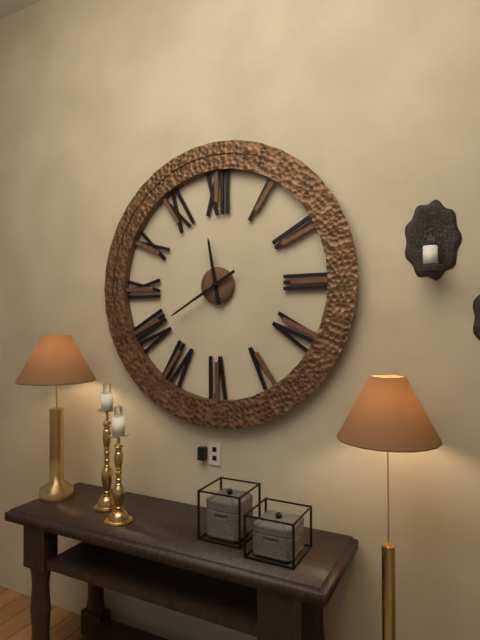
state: 11:40
